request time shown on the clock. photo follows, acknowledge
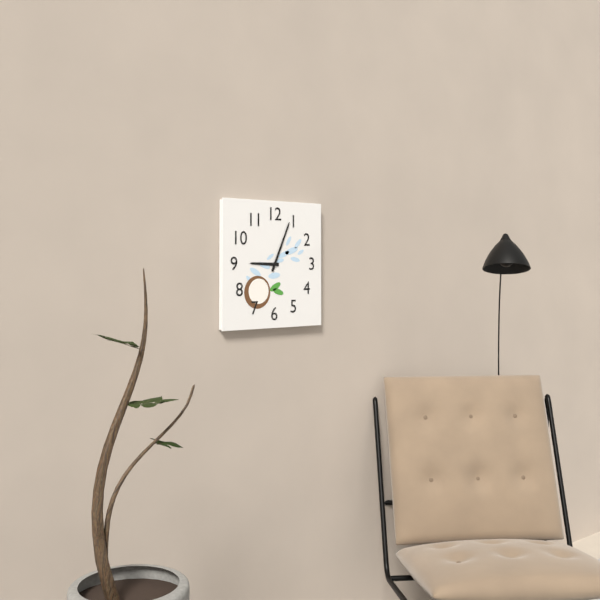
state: 9:04
